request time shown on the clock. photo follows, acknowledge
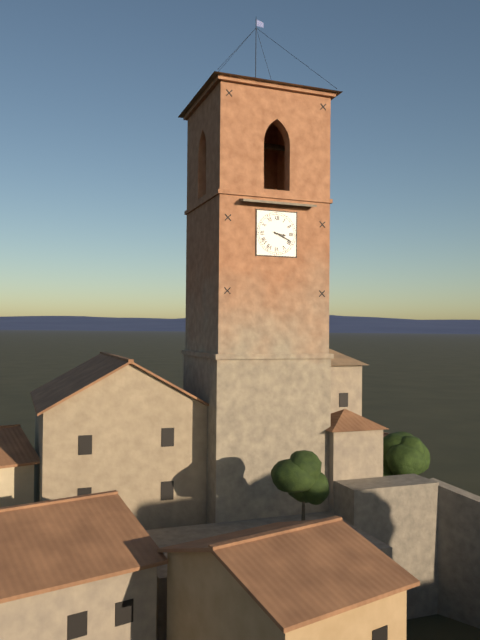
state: 3:19
